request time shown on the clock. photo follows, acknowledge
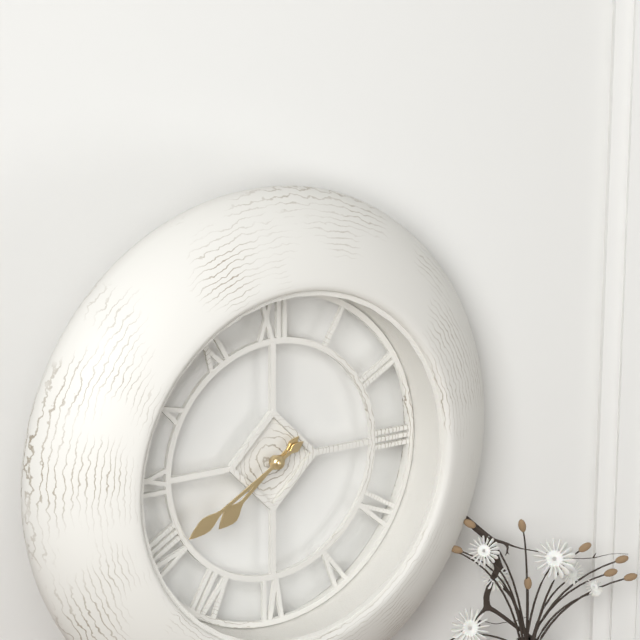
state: 7:40
